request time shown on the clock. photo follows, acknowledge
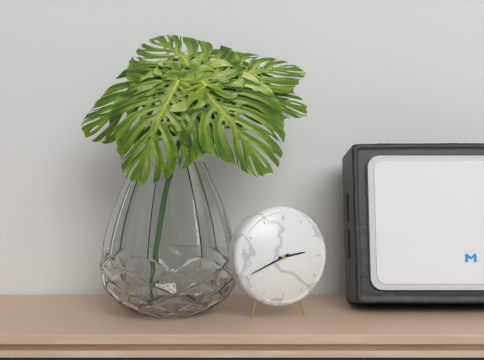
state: 2:41
